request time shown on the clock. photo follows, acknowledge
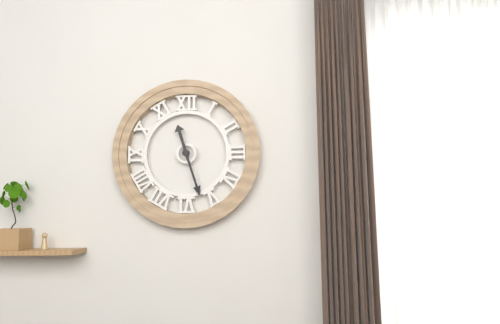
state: 11:27
